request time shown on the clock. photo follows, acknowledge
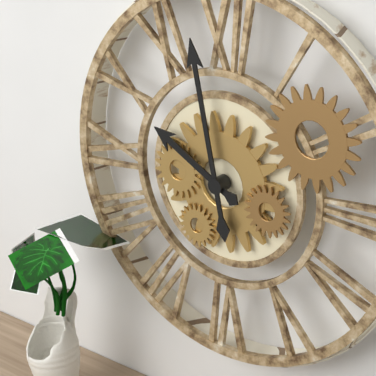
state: 9:58
